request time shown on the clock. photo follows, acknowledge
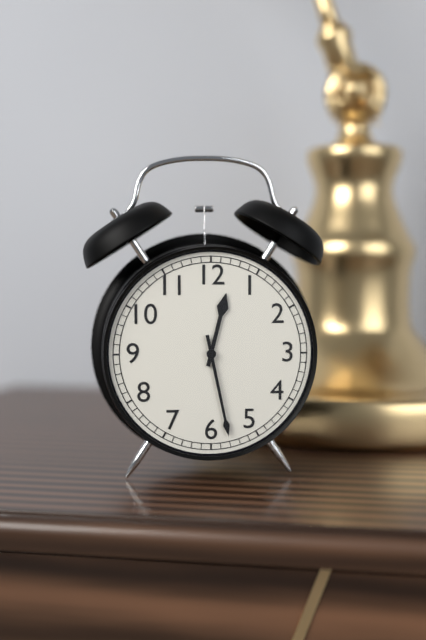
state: 12:28
